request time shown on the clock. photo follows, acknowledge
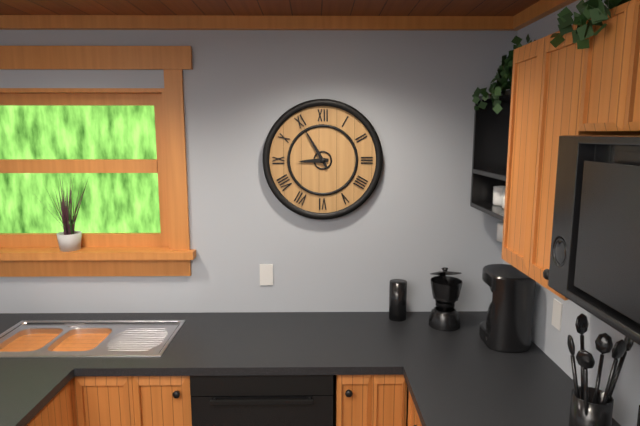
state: 8:55
